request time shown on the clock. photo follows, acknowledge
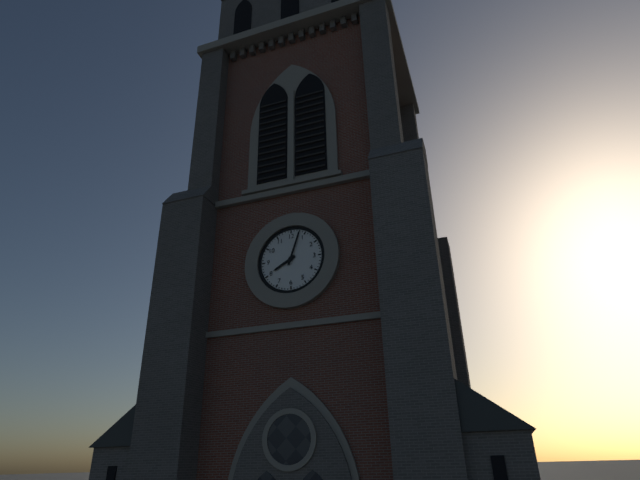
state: 8:03
